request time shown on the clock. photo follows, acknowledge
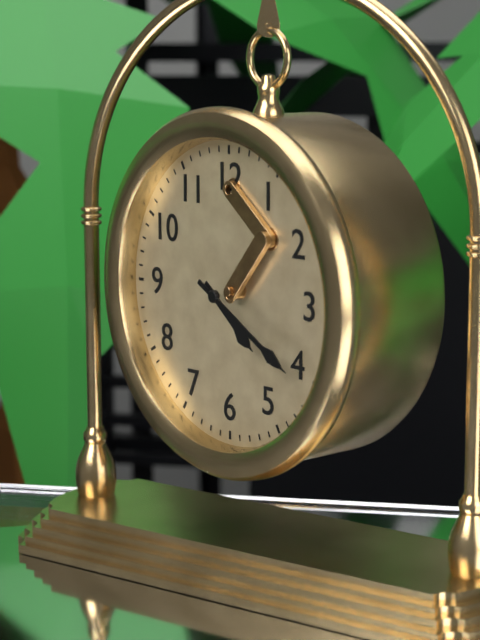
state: 4:20
